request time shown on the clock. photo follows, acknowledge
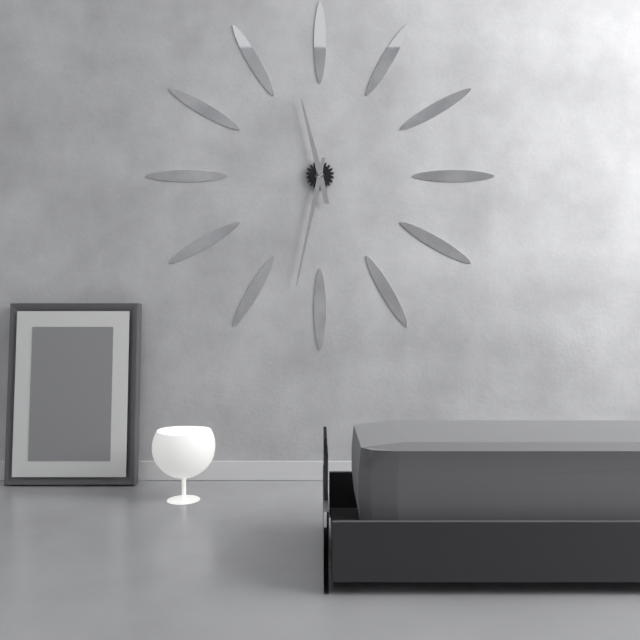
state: 11:32
